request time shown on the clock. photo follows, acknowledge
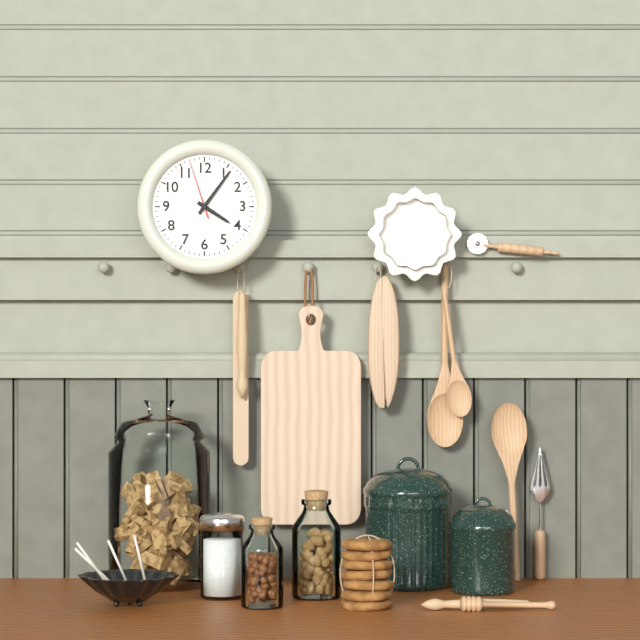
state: 4:06:57
